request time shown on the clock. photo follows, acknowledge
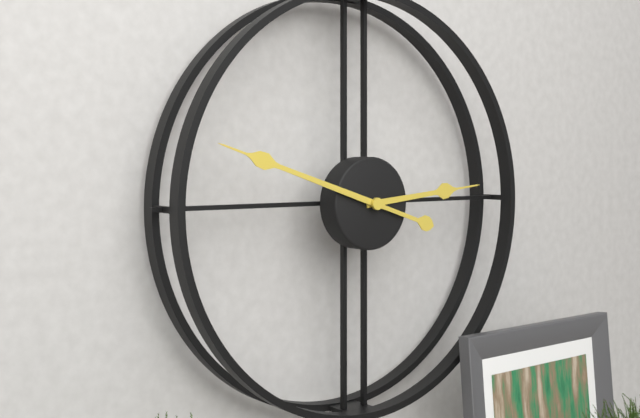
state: 2:48
